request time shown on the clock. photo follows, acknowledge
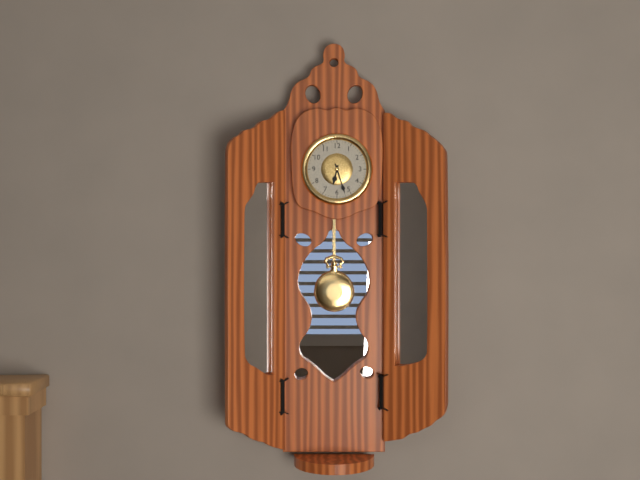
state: 6:27
